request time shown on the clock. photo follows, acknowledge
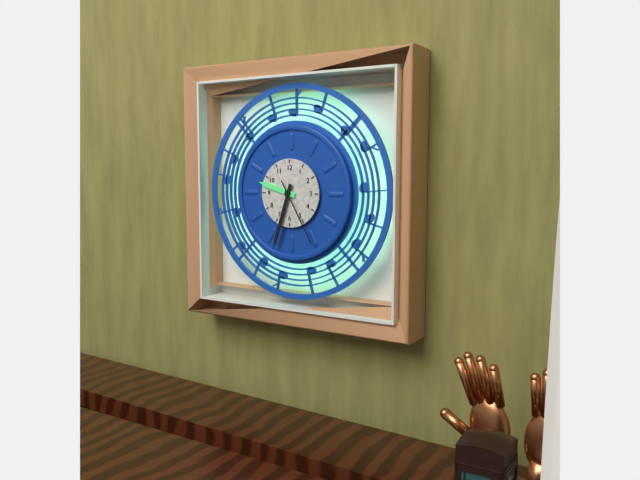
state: 9:33:25
